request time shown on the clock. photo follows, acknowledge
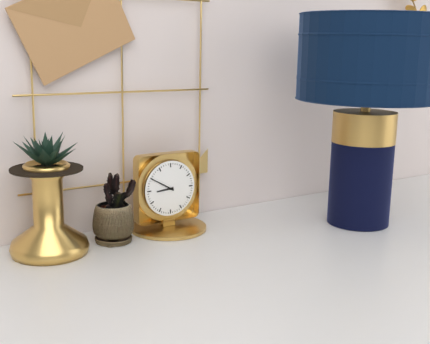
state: 8:50
